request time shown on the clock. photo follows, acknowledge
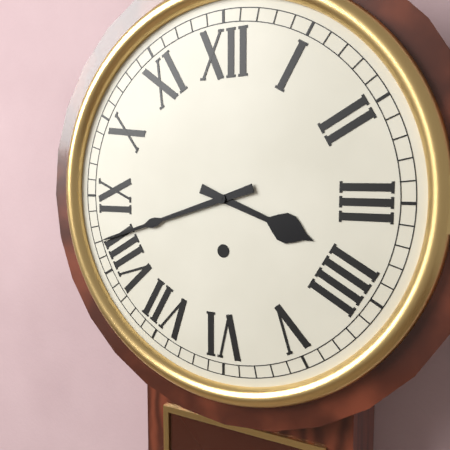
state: 3:42
